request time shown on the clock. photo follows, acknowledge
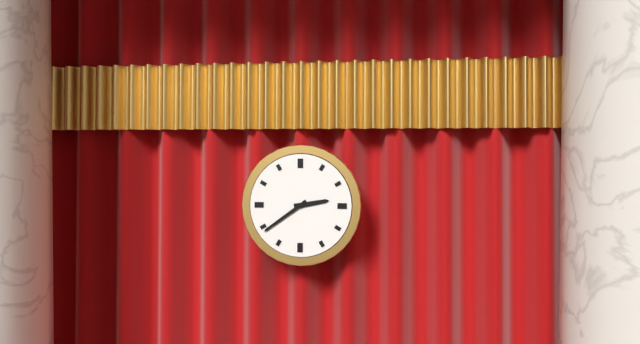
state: 2:39
